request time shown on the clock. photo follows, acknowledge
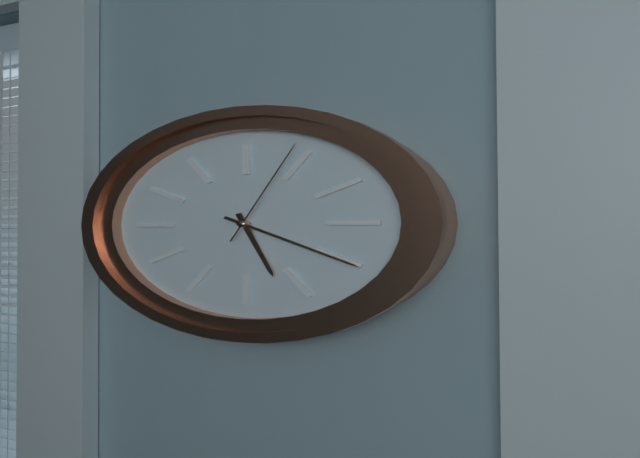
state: 5:20:04
